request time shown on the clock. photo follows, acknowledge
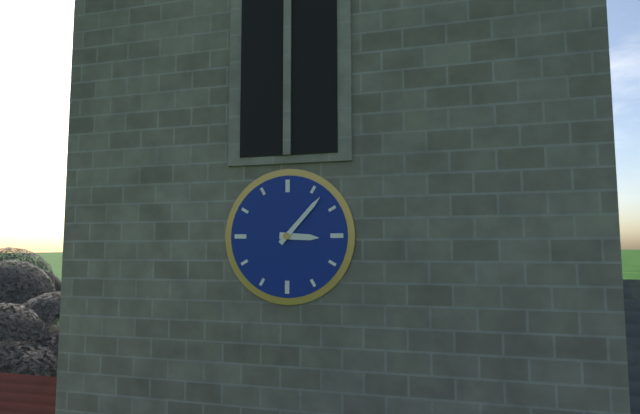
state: 3:07
